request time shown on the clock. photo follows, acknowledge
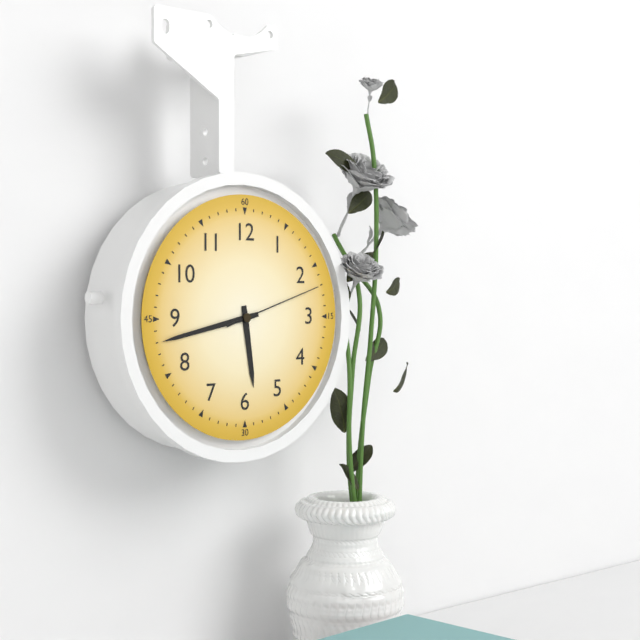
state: 5:43:12
